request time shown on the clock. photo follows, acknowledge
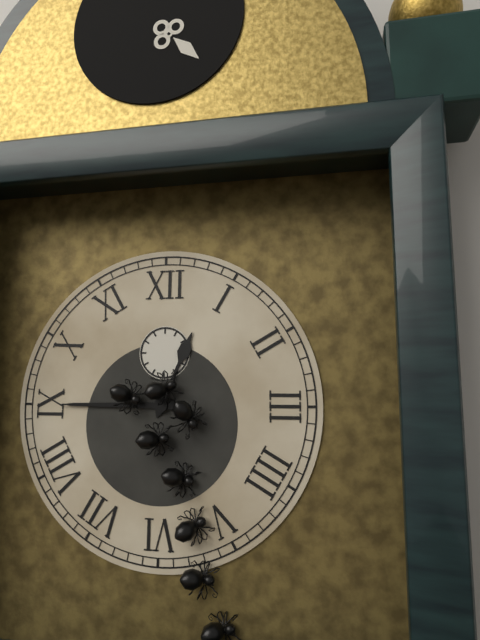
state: 12:45
